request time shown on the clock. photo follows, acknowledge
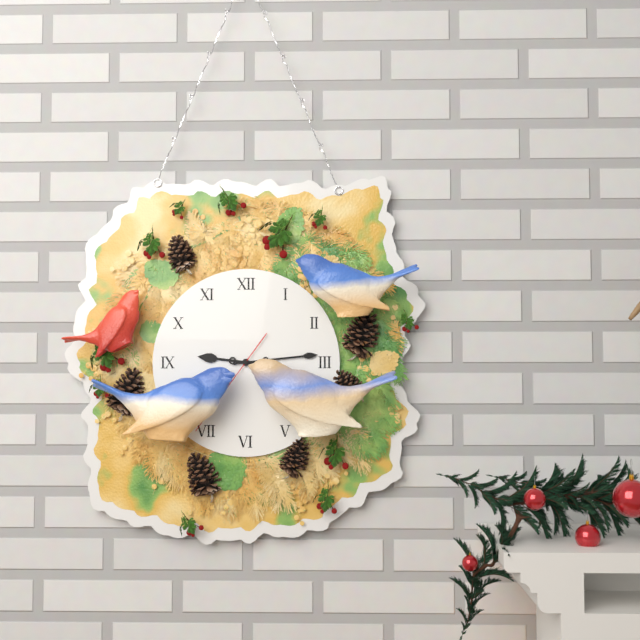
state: 9:14
